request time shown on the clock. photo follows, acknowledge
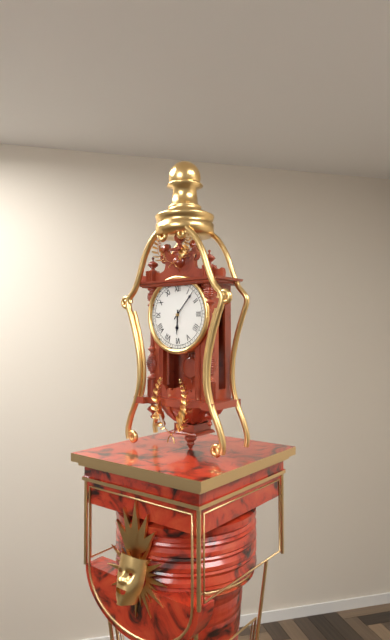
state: 6:07
